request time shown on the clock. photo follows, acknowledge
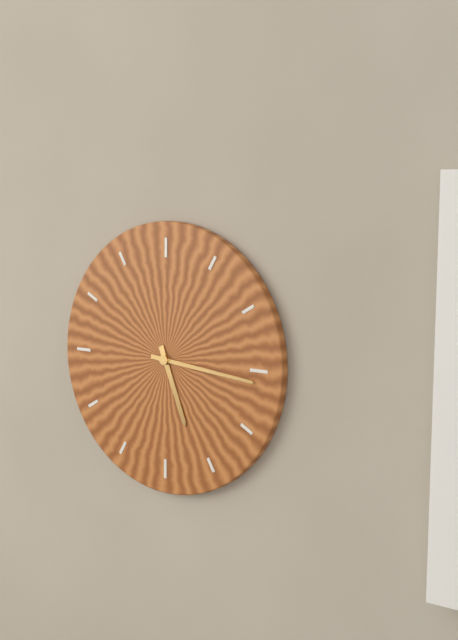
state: 5:16
